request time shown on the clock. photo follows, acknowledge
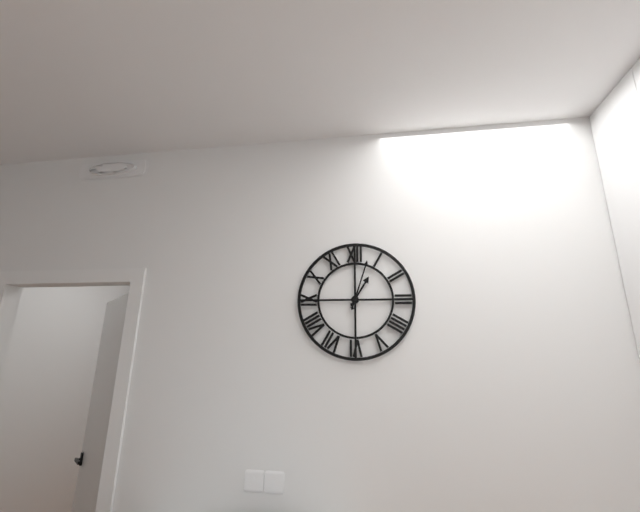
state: 1:03
